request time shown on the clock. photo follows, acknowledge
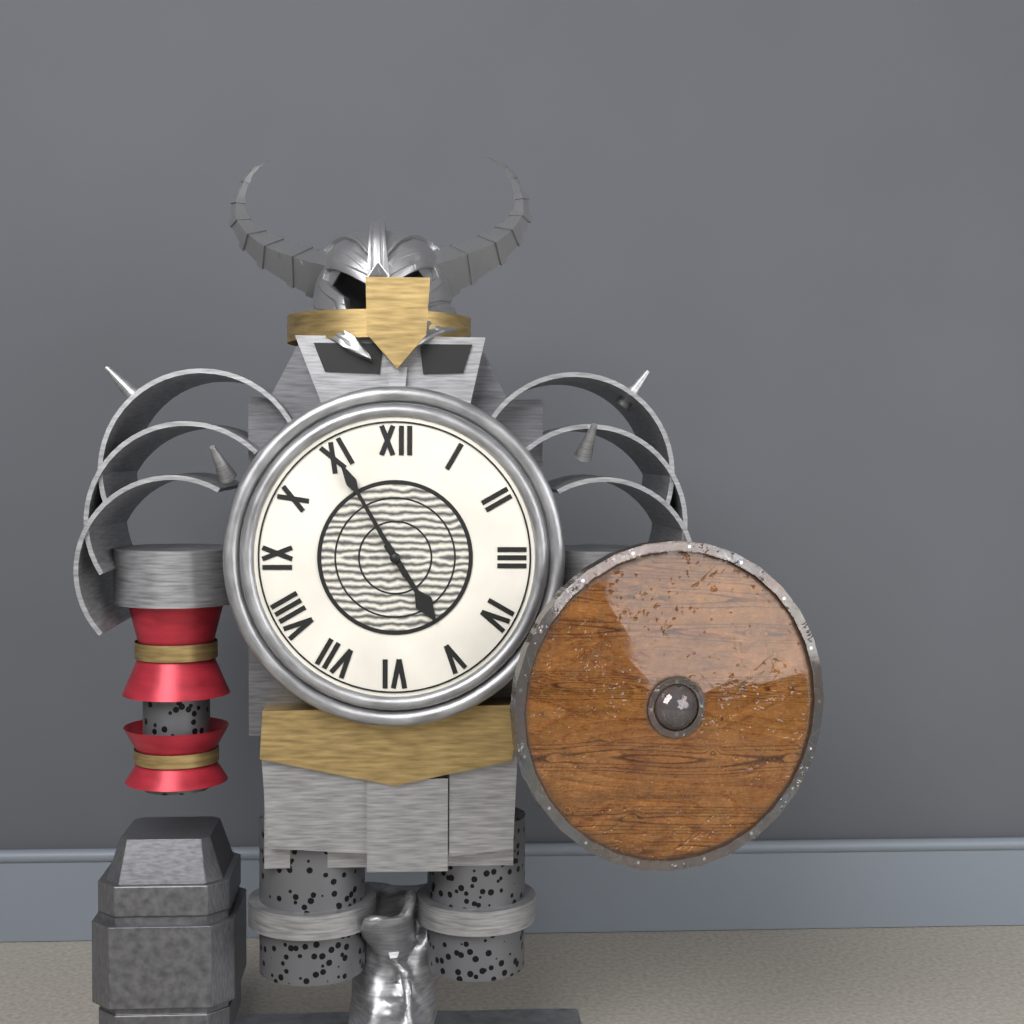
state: 4:55
